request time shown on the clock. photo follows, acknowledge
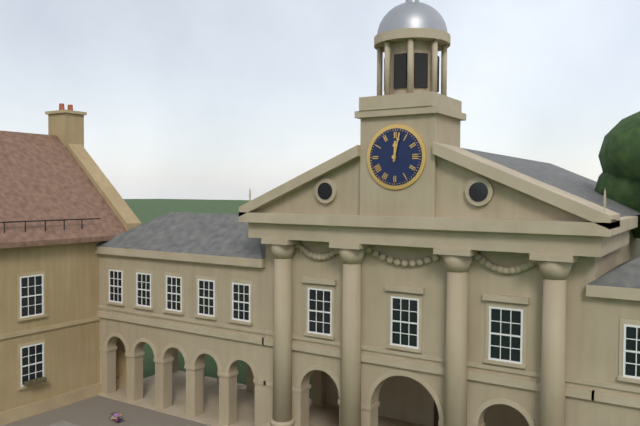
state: 12:02
